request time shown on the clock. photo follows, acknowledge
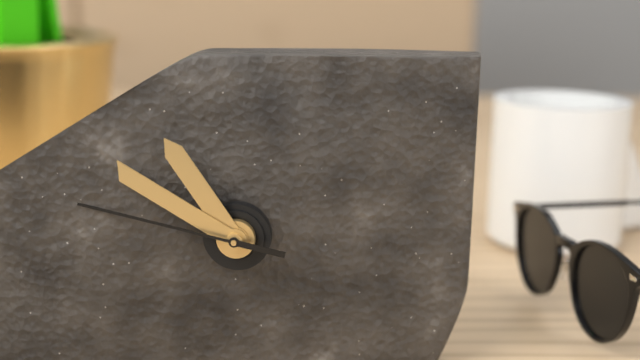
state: 10:50
